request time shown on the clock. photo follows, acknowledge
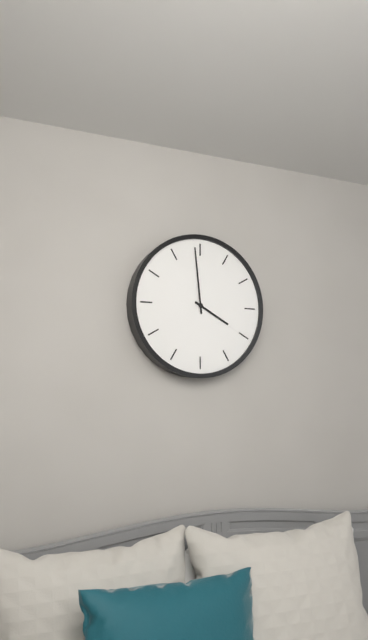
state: 3:59
